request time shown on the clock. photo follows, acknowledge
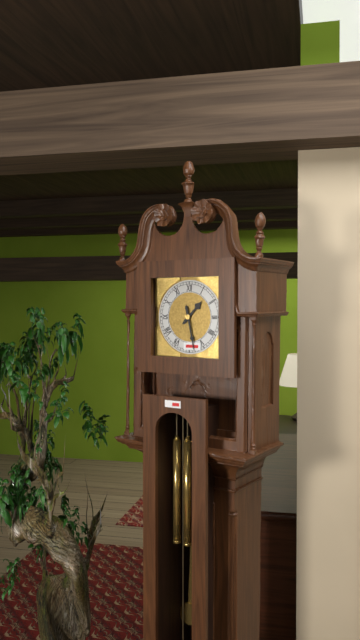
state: 1:28
